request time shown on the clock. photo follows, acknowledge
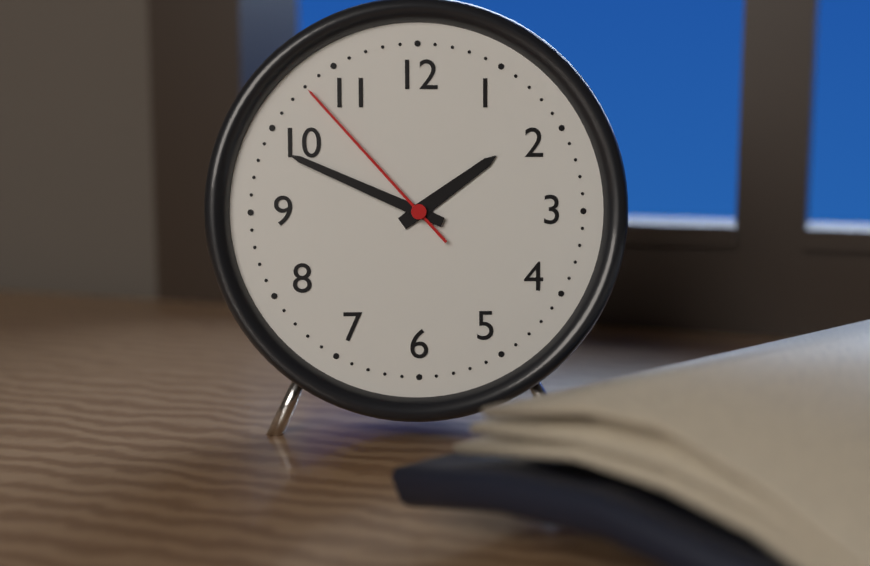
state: 1:49:53
